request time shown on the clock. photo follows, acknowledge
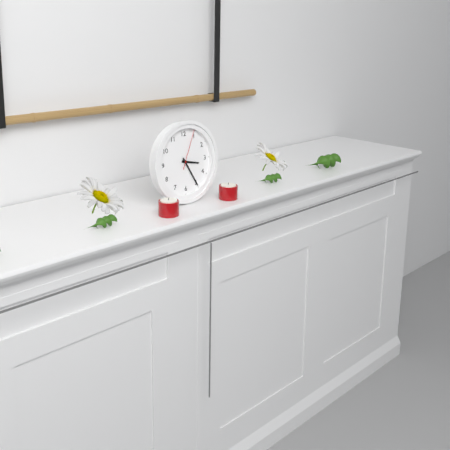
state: 3:25
